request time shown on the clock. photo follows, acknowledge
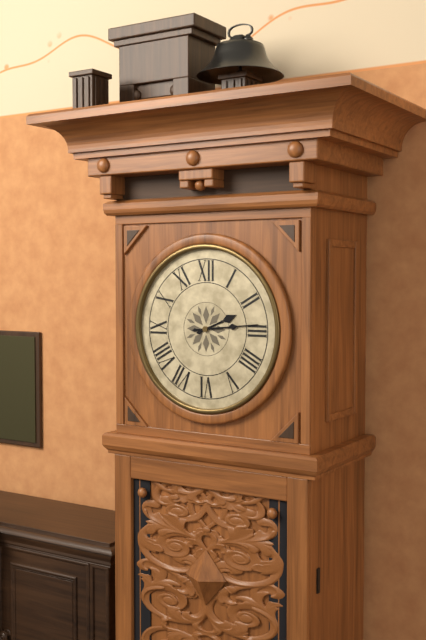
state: 2:14
